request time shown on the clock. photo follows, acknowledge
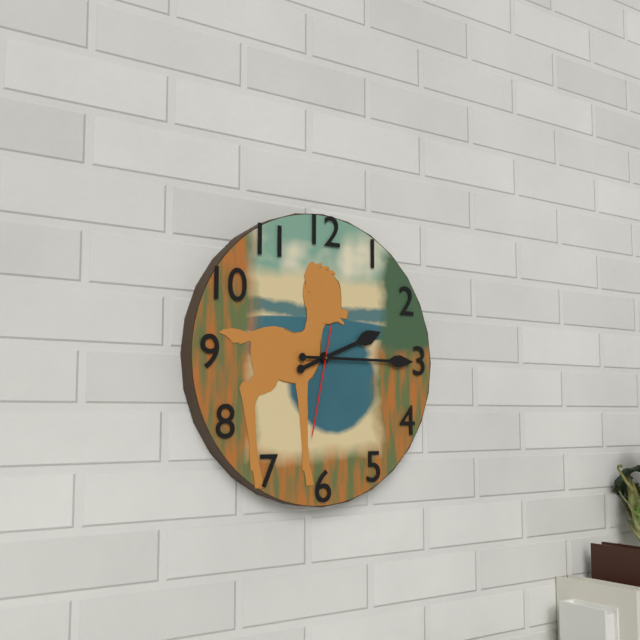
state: 2:15:32
